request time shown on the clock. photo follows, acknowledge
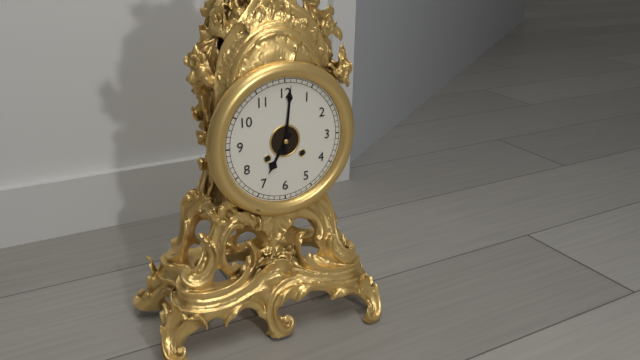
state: 7:01
